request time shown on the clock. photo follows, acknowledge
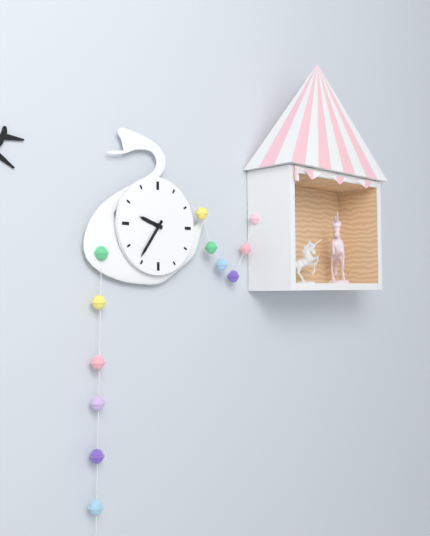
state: 9:36
